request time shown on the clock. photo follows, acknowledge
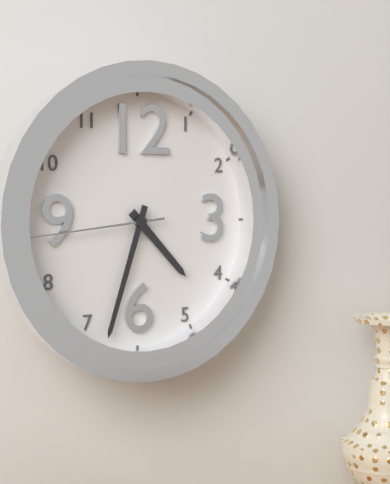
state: 4:33:44
